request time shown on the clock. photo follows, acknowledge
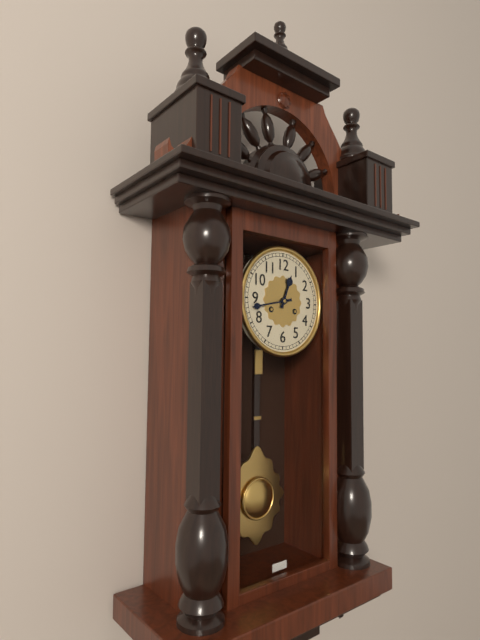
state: 12:43
